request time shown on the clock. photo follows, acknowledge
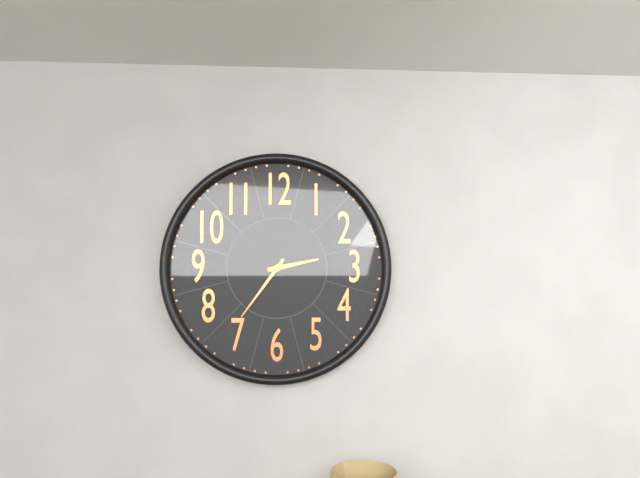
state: 2:36
